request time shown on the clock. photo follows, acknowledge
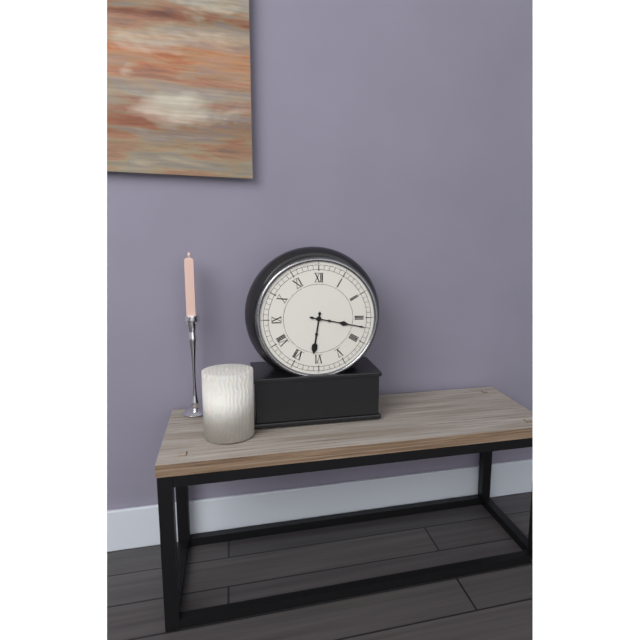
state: 6:17
